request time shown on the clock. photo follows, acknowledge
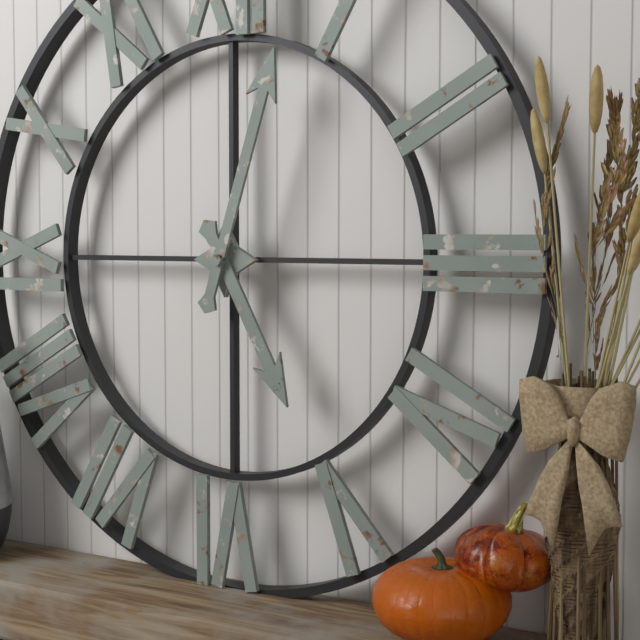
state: 5:03
